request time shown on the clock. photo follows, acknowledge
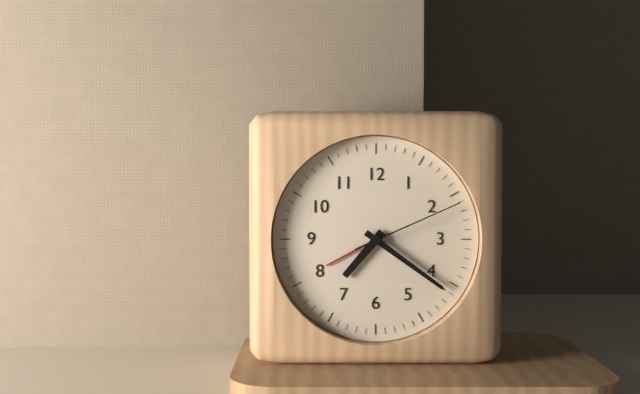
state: 7:21:11
